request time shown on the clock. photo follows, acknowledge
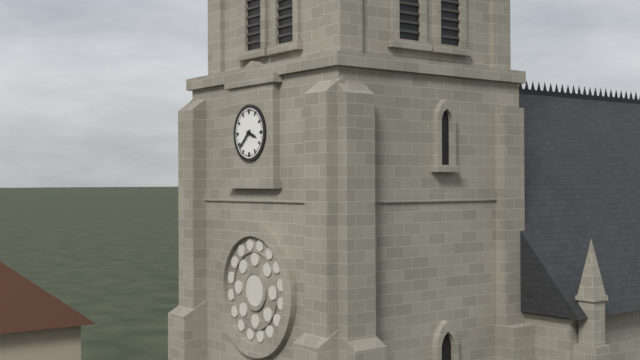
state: 3:38
